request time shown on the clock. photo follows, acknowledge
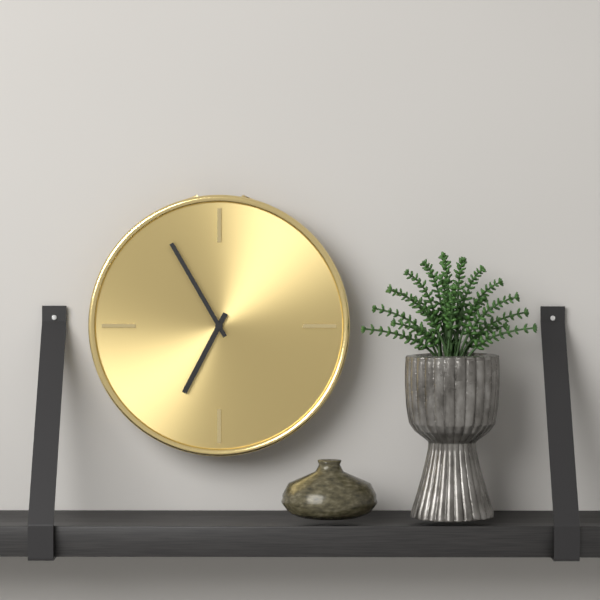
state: 6:55
